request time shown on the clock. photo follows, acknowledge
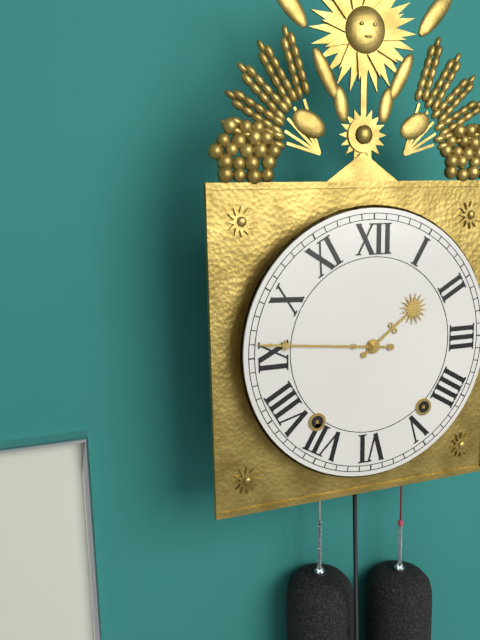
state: 1:46
